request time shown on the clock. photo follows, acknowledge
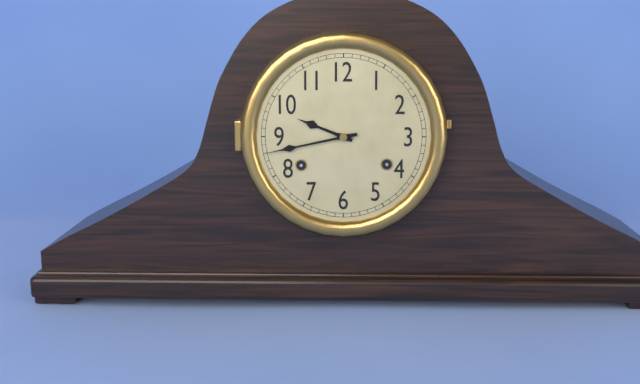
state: 9:43
